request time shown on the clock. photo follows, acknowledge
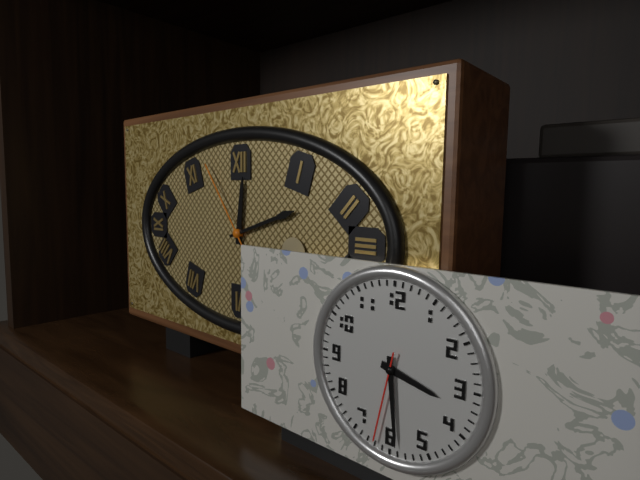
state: 12:12:54
